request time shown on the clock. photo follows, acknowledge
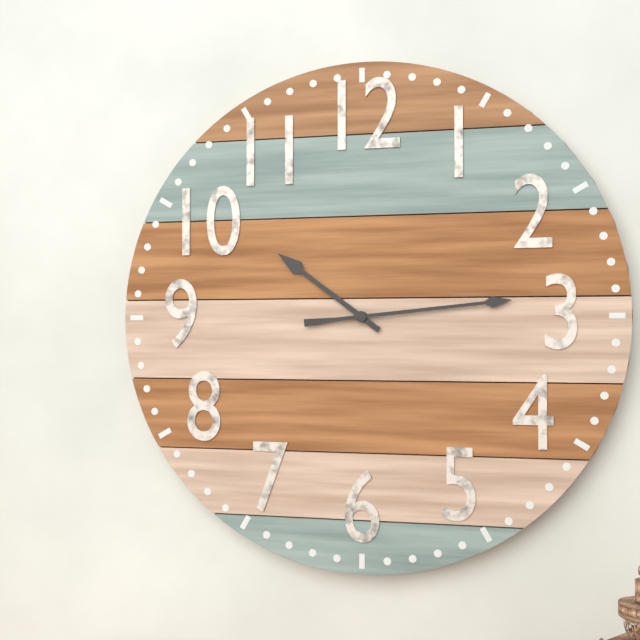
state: 10:14
